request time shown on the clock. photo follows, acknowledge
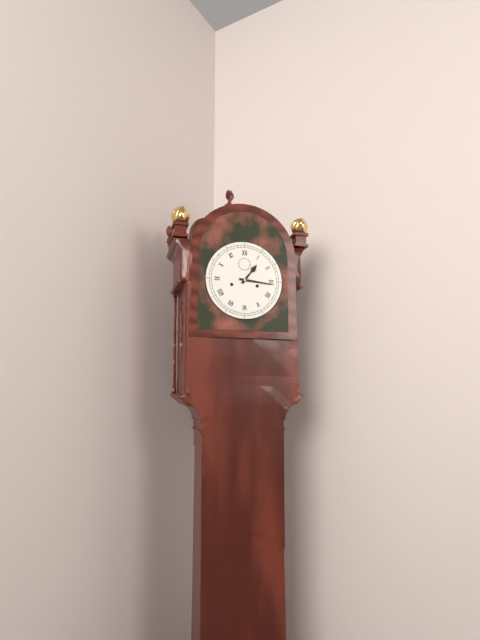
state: 1:16
